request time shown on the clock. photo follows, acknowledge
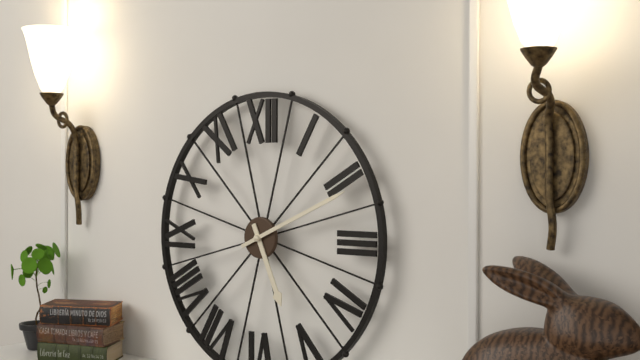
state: 5:11
